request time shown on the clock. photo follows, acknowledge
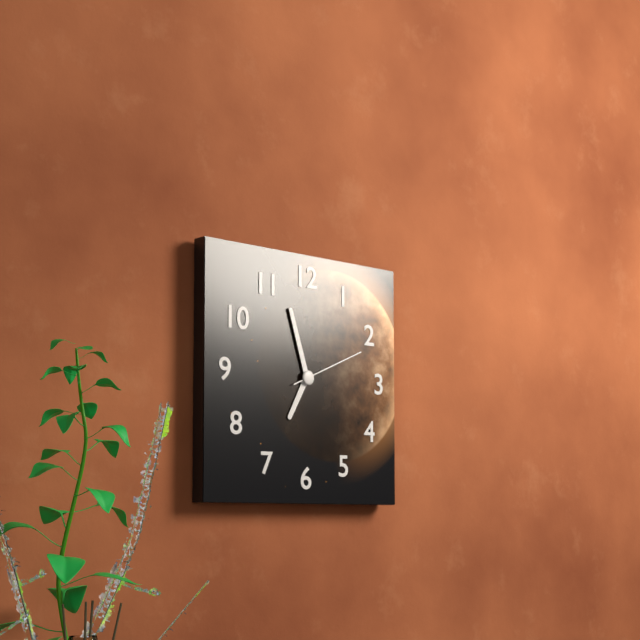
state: 6:57:11
